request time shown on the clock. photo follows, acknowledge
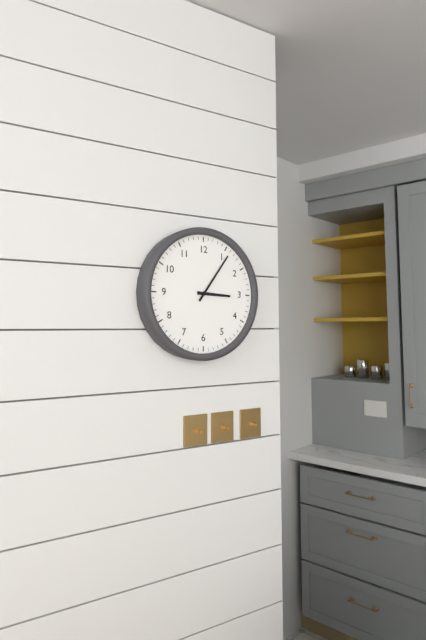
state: 3:06
